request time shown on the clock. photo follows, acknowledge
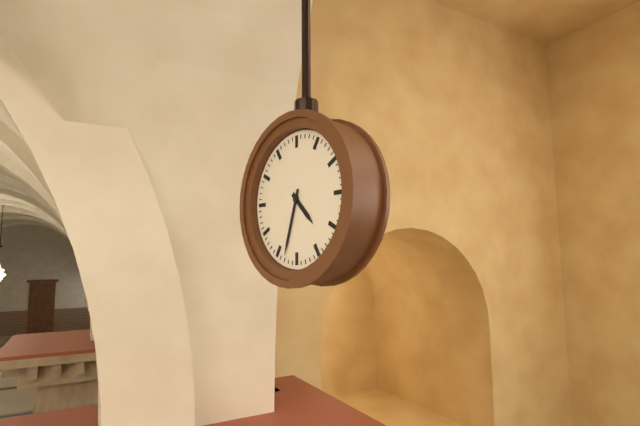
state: 4:33
